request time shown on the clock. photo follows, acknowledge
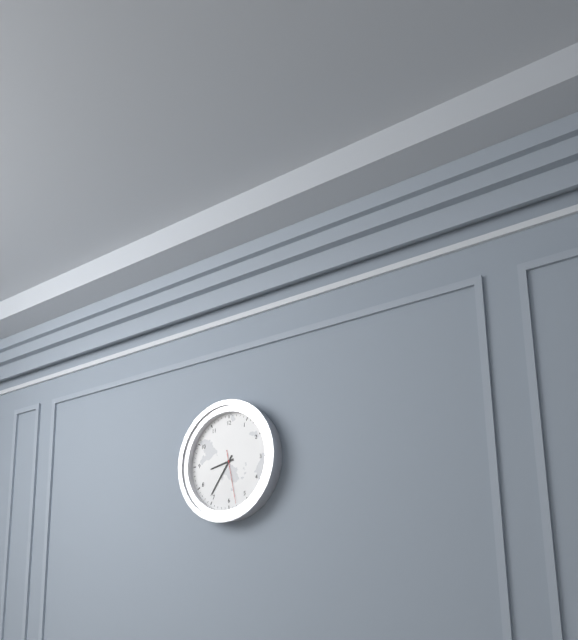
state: 8:36:28
